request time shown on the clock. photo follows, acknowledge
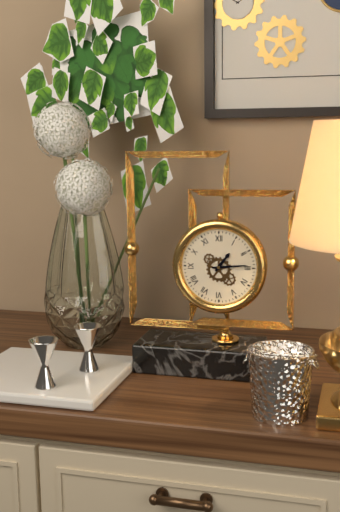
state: 1:14
